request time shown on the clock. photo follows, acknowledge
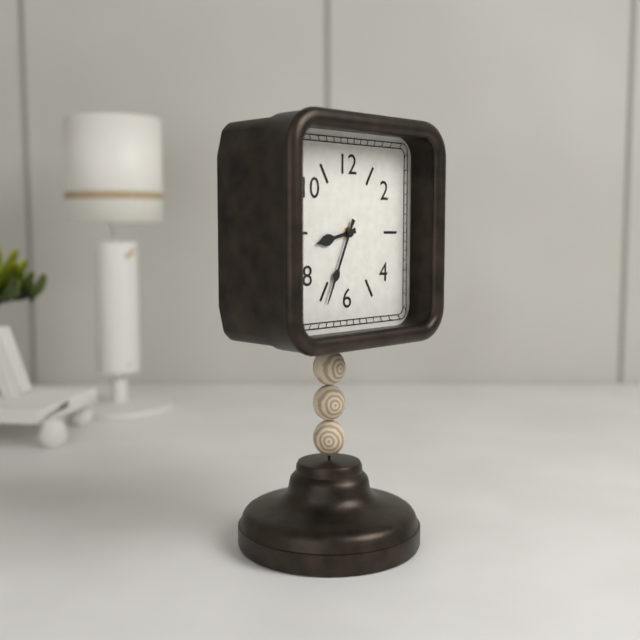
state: 8:34
